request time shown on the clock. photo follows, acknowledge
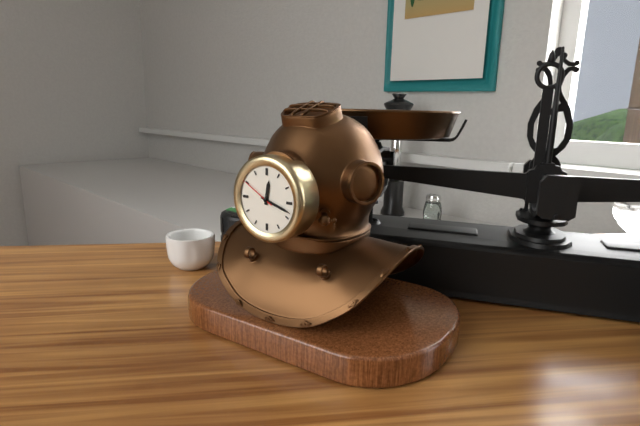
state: 12:18
